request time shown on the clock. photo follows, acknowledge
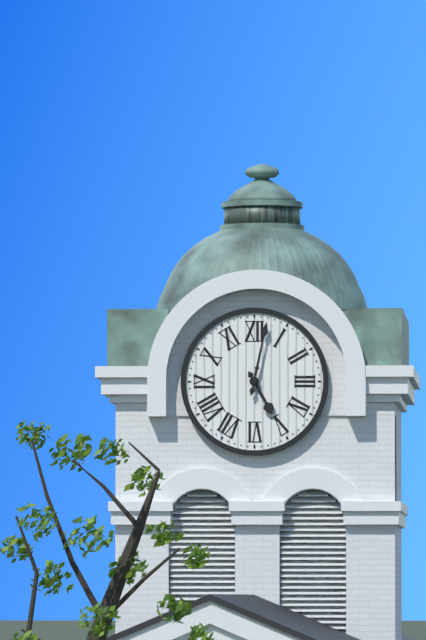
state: 5:02
